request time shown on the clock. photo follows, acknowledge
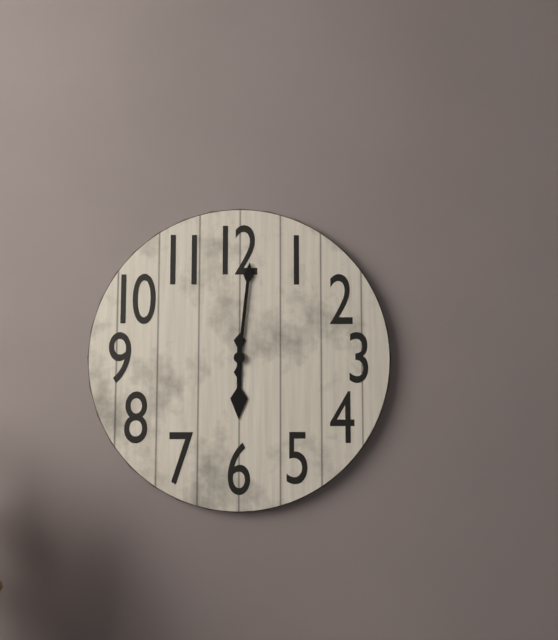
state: 6:01
